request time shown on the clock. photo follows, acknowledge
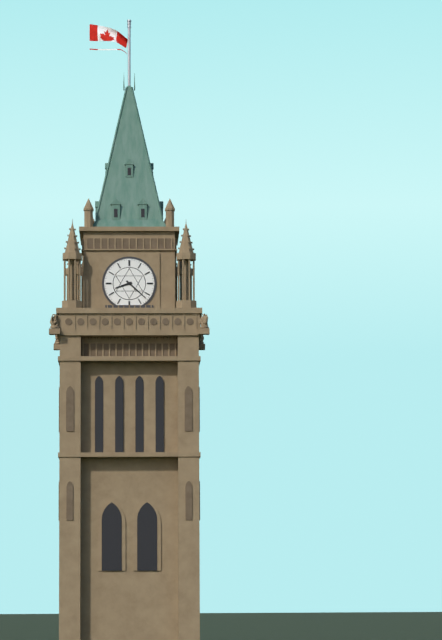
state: 8:22
